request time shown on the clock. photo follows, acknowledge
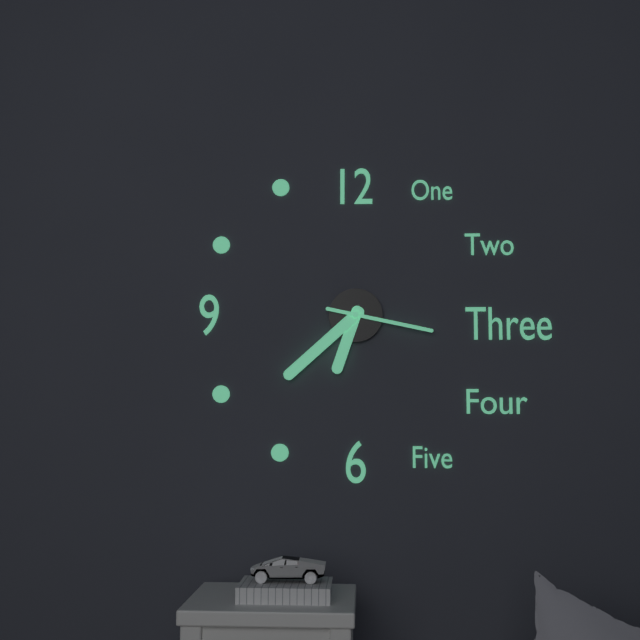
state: 6:38:17
